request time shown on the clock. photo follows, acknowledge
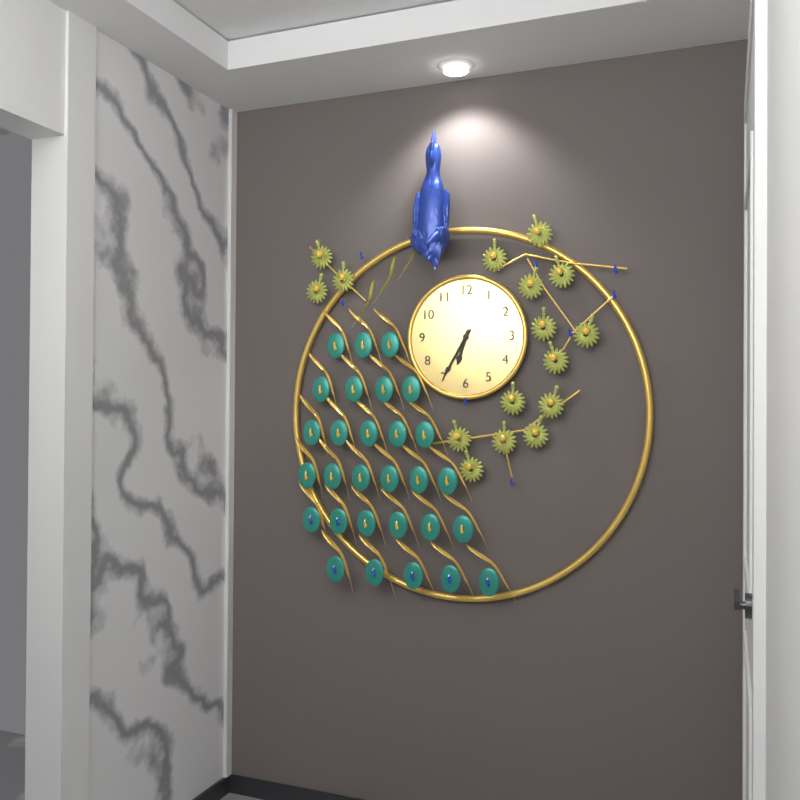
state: 6:35
